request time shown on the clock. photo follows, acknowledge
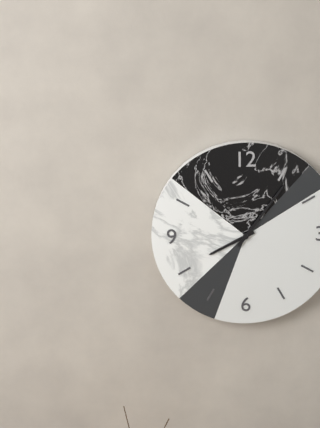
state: 8:06
